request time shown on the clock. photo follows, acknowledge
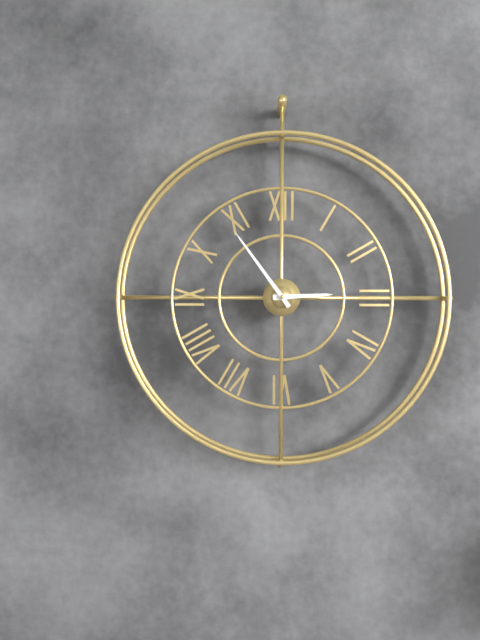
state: 2:54
